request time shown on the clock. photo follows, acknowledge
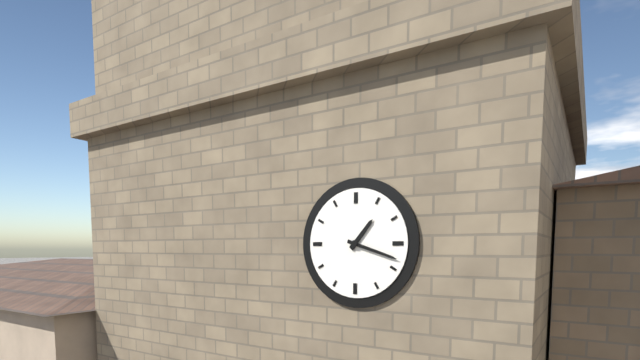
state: 1:18
